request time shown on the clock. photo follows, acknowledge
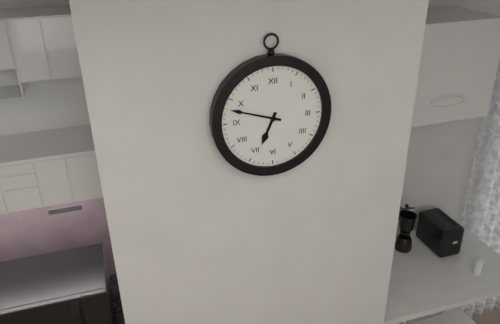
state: 6:48
